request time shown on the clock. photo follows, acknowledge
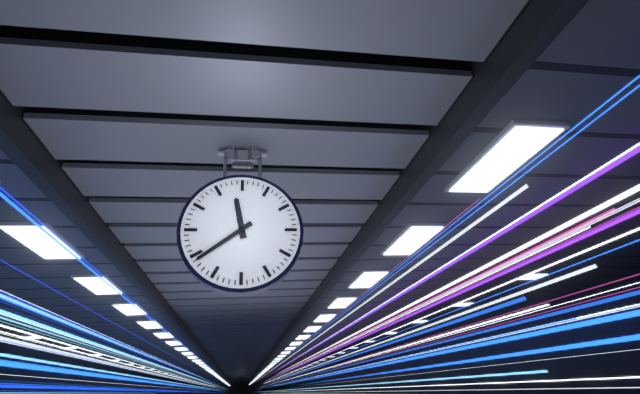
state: 11:39
